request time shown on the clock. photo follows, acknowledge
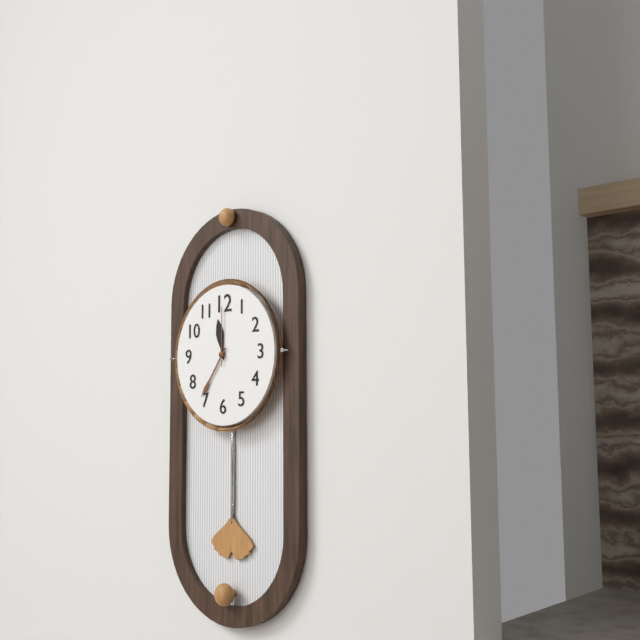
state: 11:36:00
